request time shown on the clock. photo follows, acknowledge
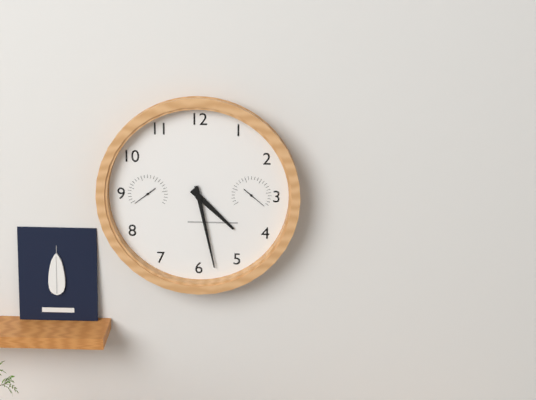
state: 4:28
